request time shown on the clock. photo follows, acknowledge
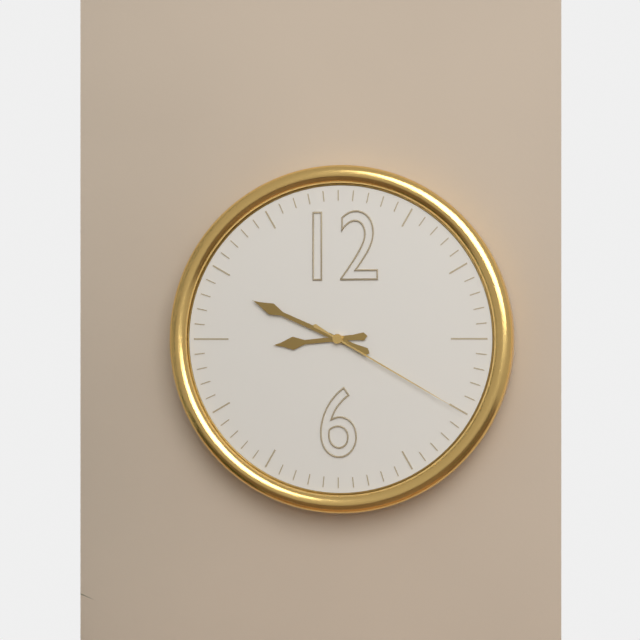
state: 8:49:20
